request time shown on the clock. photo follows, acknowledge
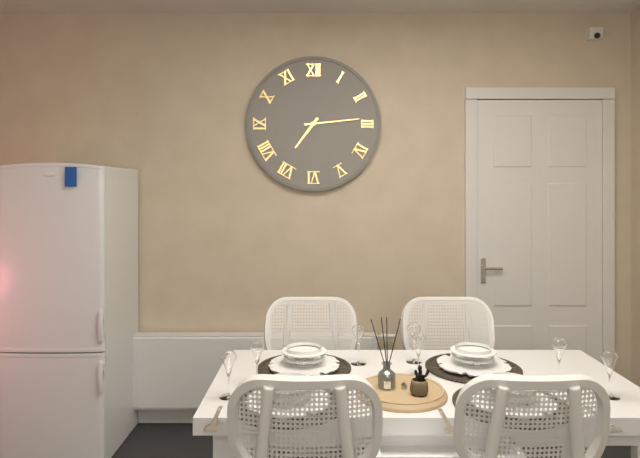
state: 7:14
